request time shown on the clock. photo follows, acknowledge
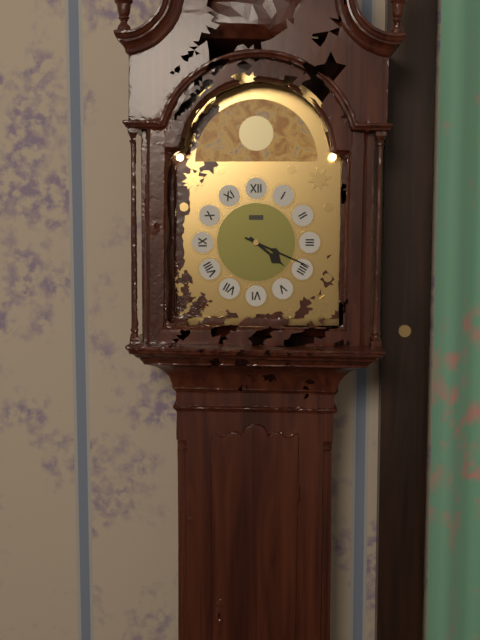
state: 4:19
